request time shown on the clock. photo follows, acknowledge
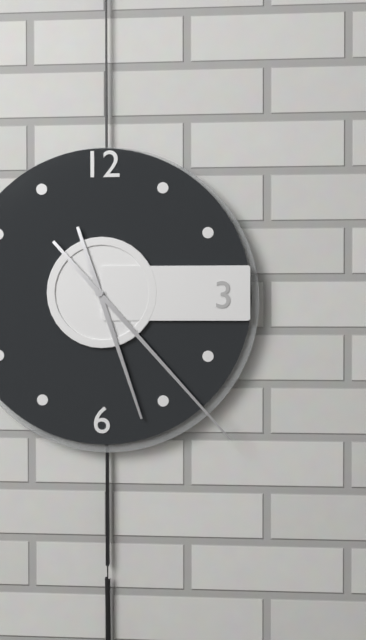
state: 5:23
